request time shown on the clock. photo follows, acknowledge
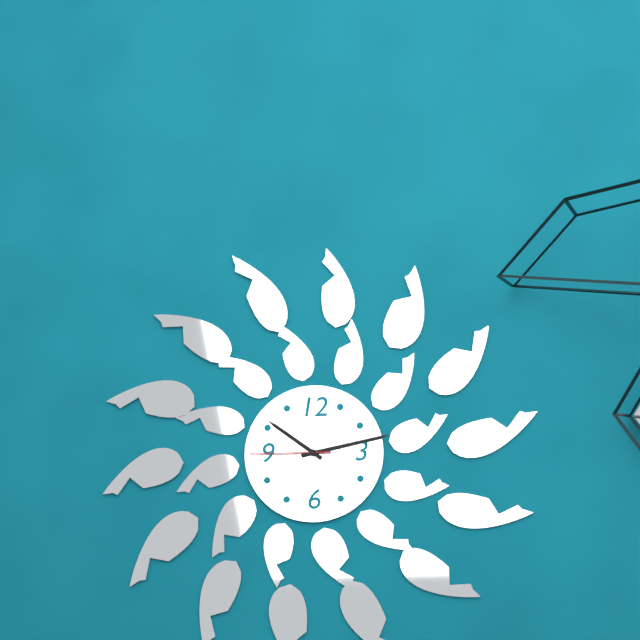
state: 10:13:45
